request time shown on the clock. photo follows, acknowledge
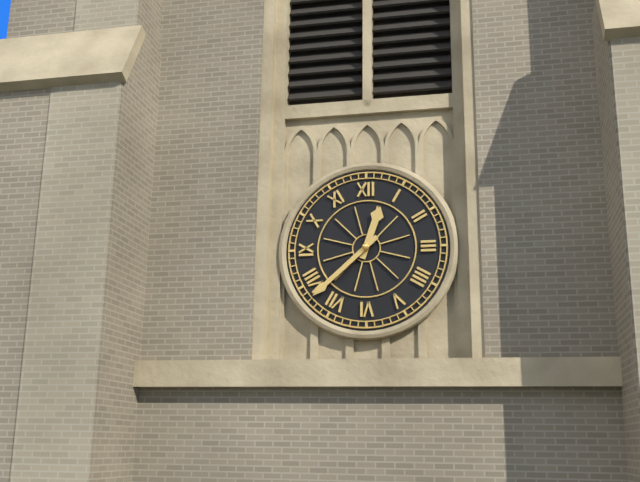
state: 12:38
